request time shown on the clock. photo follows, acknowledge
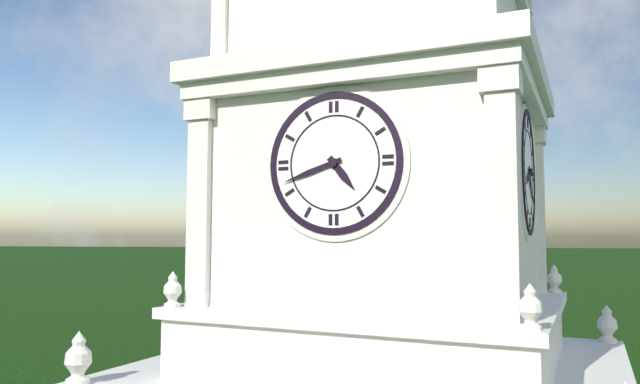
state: 4:42
